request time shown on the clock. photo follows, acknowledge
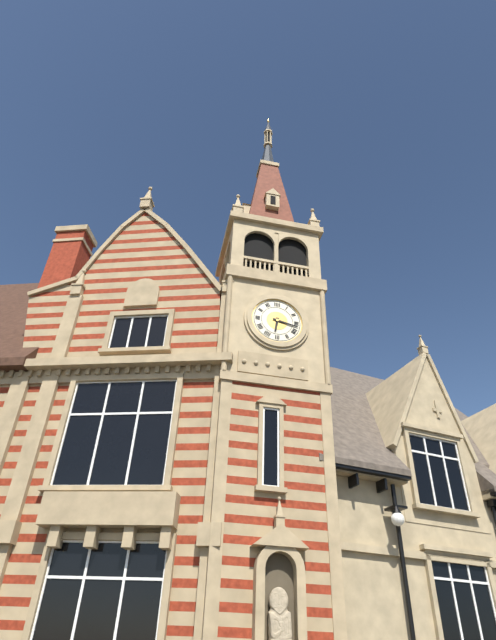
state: 6:17
